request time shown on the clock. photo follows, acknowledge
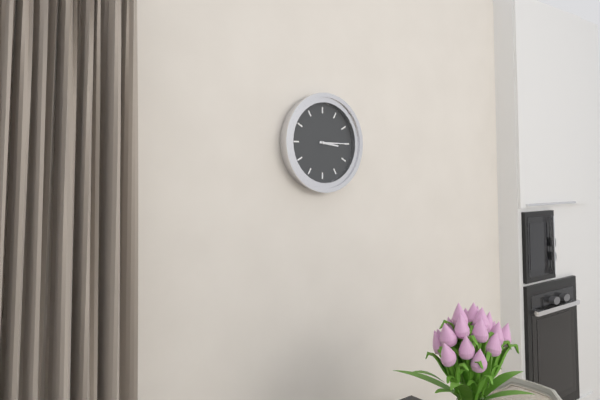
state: 3:15
